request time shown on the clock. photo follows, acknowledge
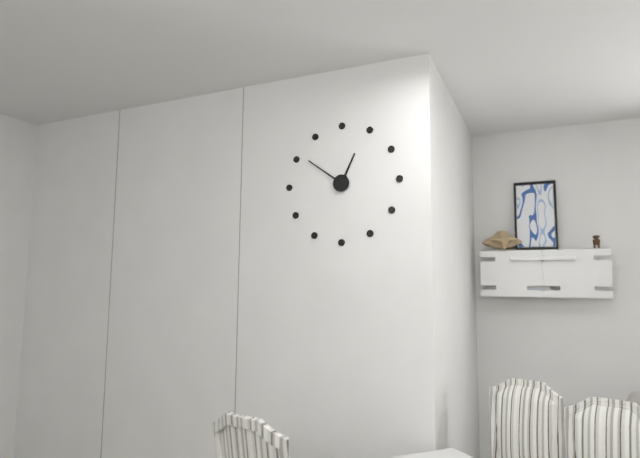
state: 12:51
